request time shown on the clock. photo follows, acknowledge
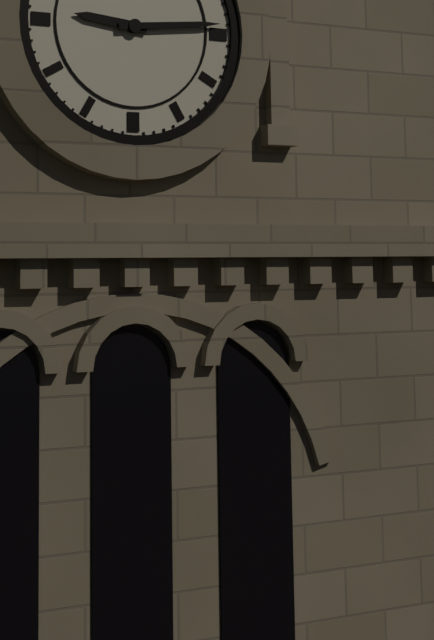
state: 9:14
